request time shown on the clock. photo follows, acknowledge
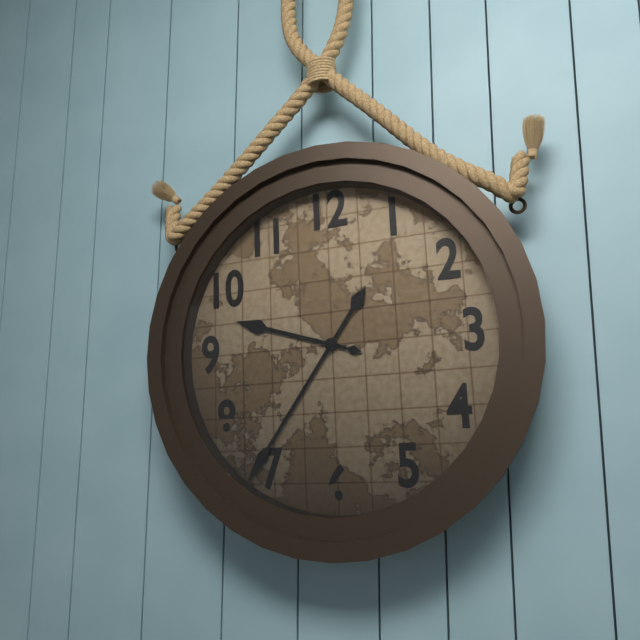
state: 9:36
